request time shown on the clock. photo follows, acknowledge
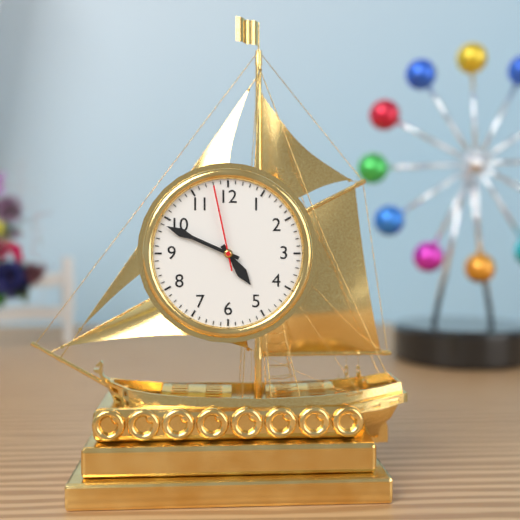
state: 4:49:58
